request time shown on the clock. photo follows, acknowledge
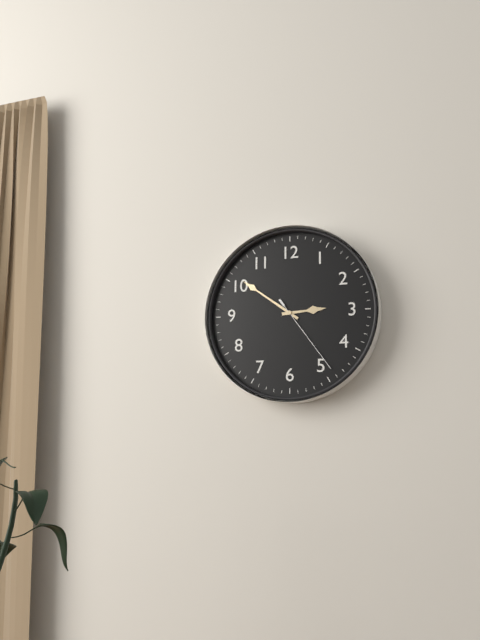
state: 2:51:24
